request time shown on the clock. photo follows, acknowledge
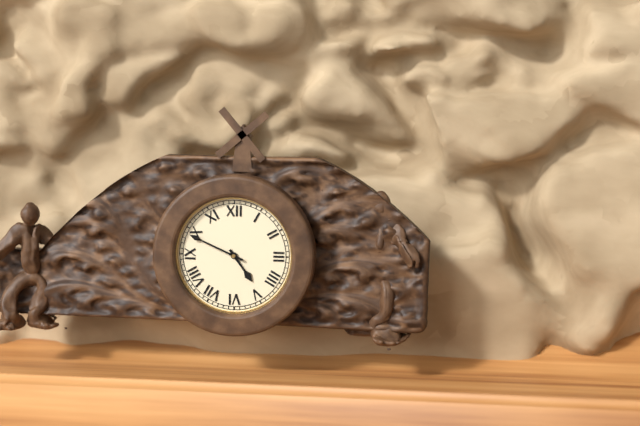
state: 4:49
